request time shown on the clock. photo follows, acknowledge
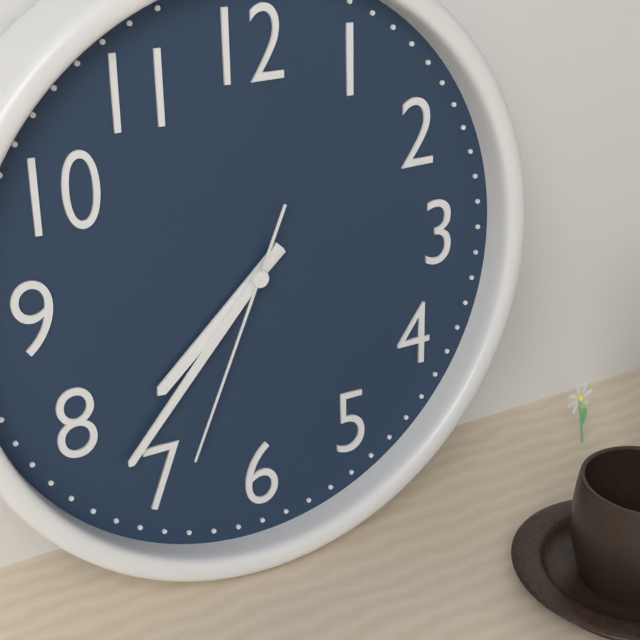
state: 7:37:34
